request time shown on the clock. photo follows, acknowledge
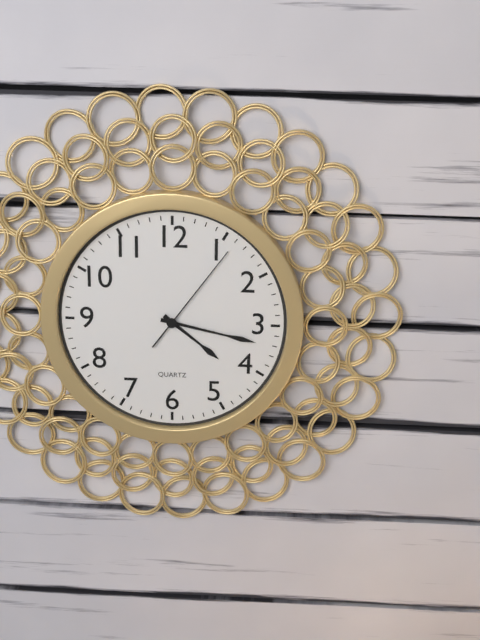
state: 4:17:06
